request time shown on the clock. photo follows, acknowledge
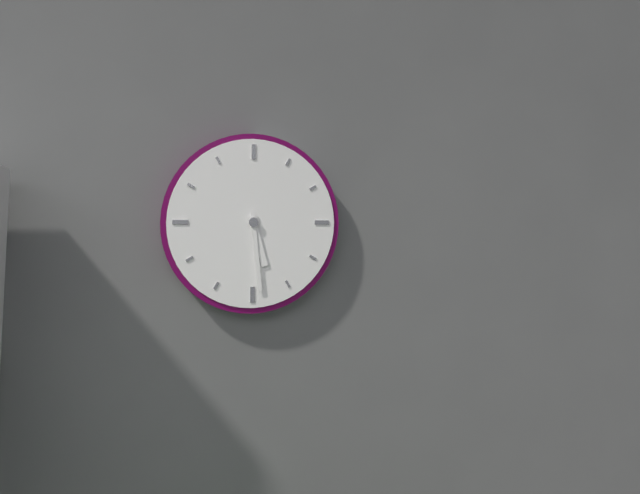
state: 5:29
